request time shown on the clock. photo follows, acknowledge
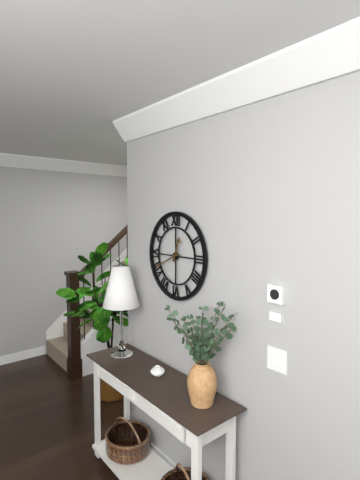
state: 12:41
